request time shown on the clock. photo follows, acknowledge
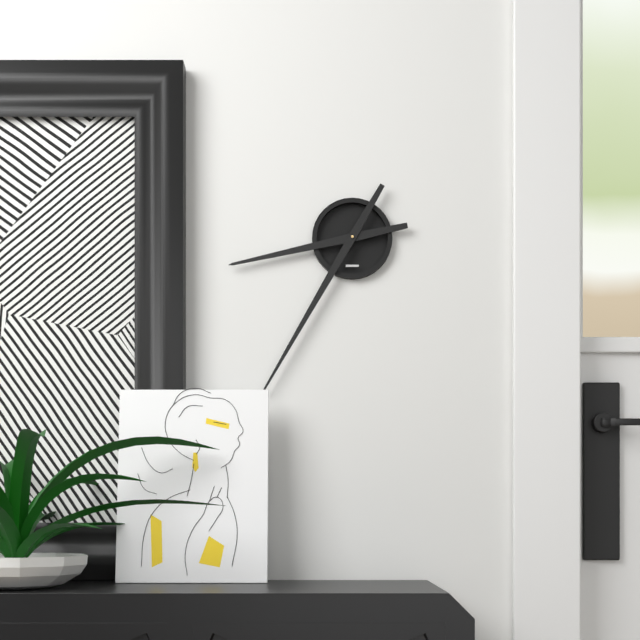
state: 8:35
